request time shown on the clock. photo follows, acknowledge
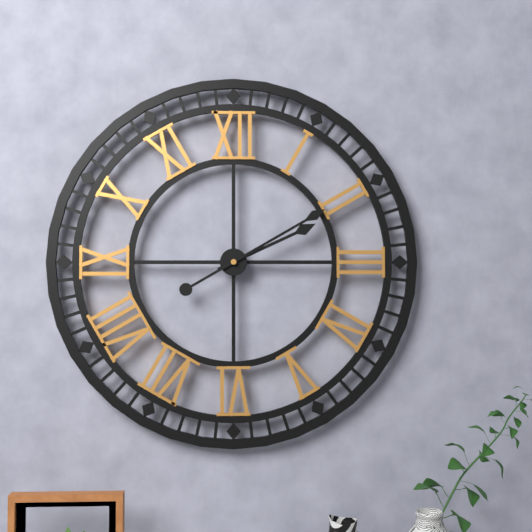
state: 2:10
